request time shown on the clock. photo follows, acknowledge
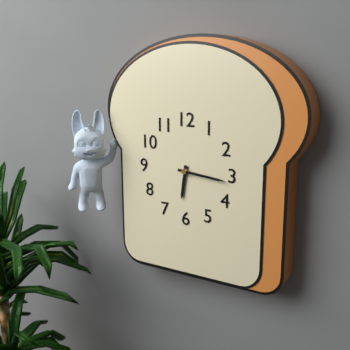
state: 6:16
